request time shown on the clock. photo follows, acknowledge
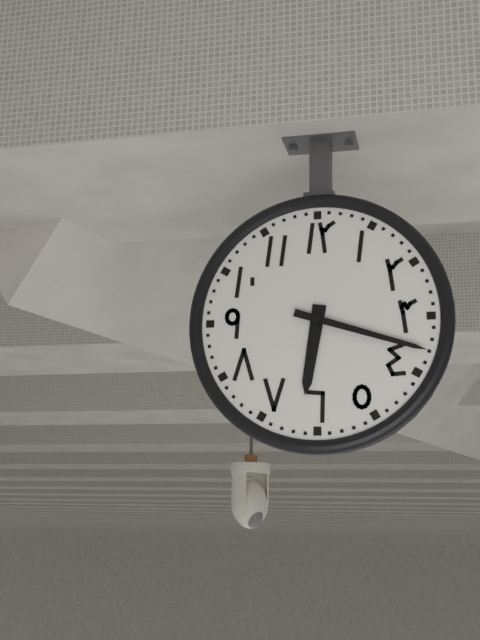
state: 6:18
